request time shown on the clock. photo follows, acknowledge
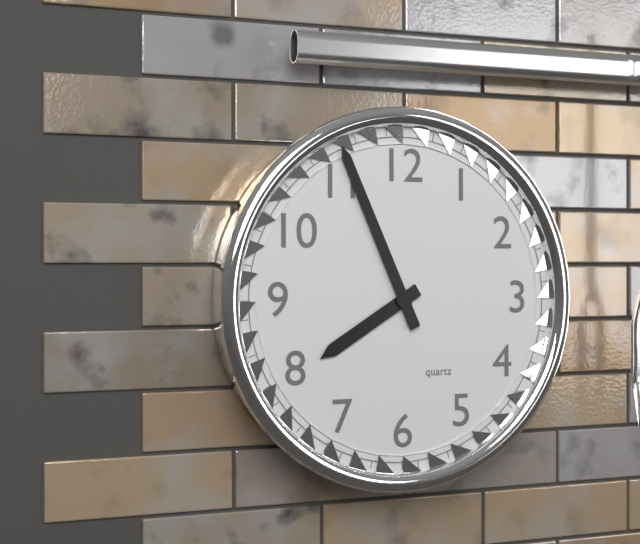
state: 7:56
